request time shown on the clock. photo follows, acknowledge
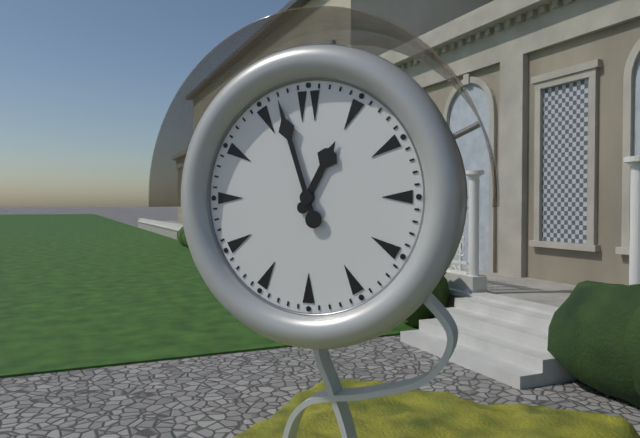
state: 12:57
